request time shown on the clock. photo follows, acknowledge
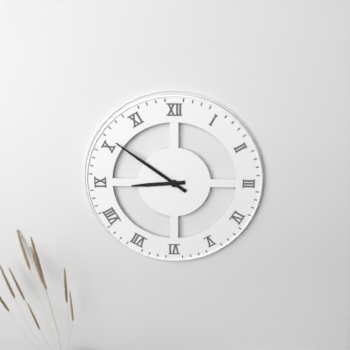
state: 8:51
